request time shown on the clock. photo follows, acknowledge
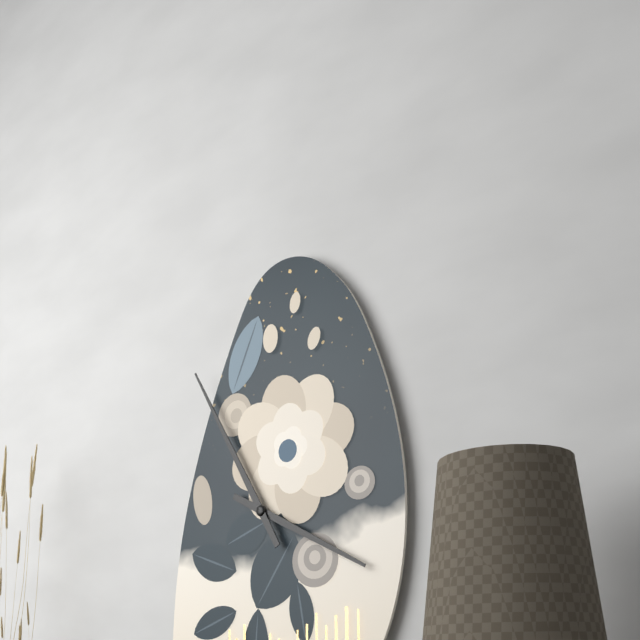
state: 3:55
